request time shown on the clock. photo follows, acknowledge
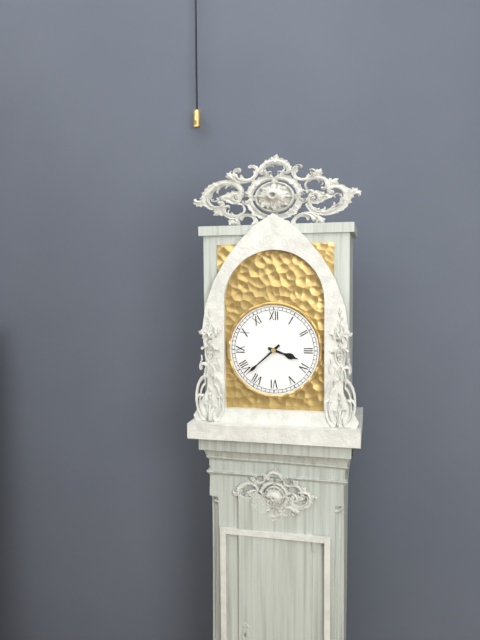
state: 3:38
